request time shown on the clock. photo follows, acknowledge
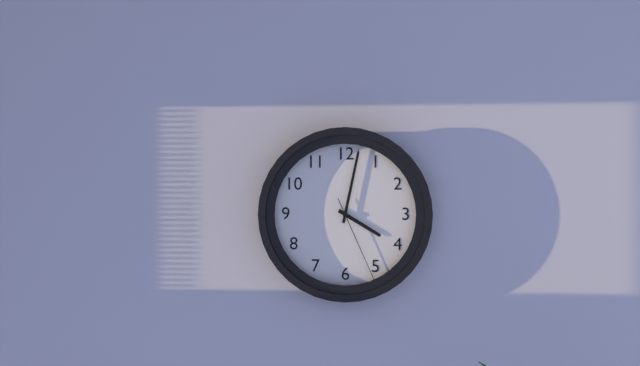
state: 4:02:26
